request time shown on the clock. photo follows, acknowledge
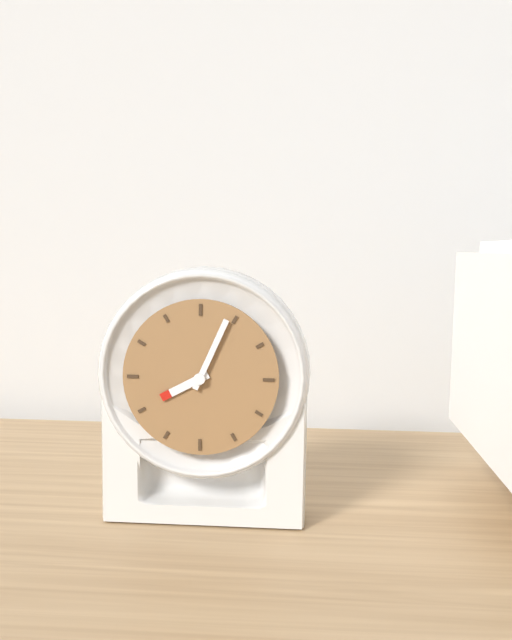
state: 8:04
